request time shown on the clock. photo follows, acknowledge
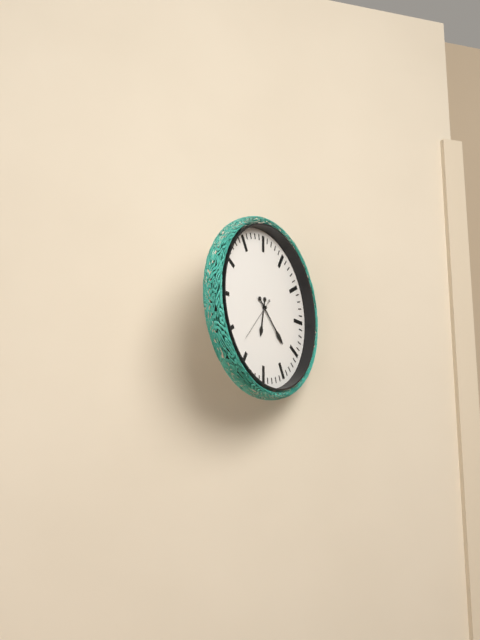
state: 6:22
